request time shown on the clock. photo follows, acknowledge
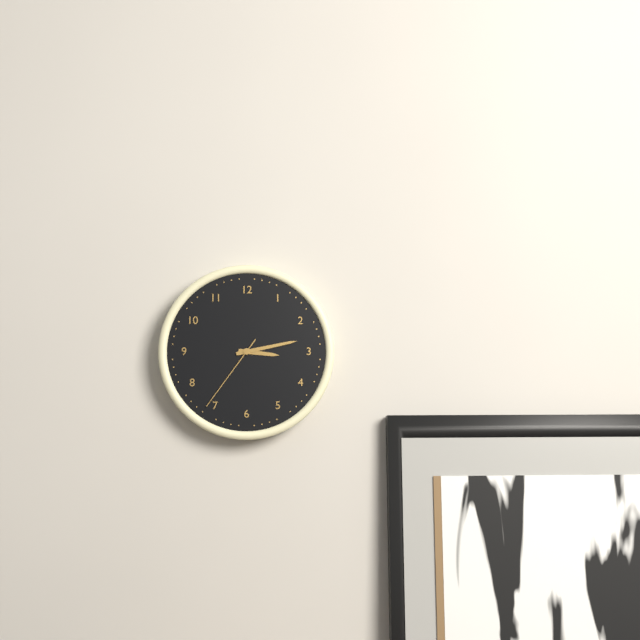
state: 3:13:36
